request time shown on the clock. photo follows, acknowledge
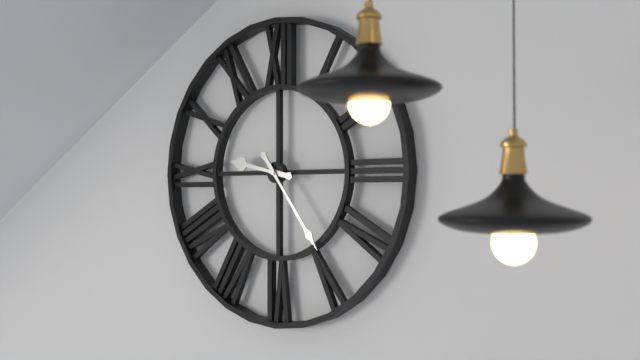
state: 9:24
